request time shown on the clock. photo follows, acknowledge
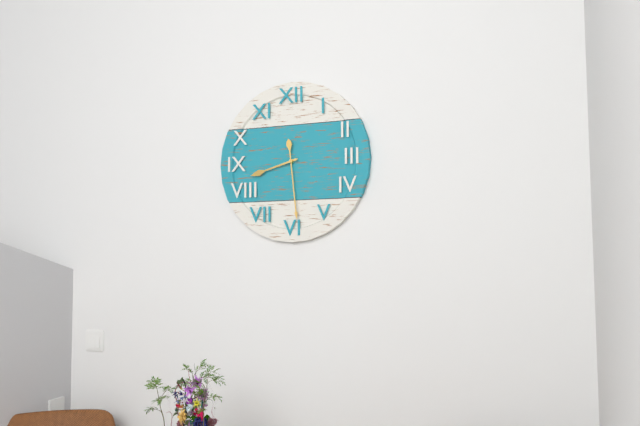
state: 8:29
